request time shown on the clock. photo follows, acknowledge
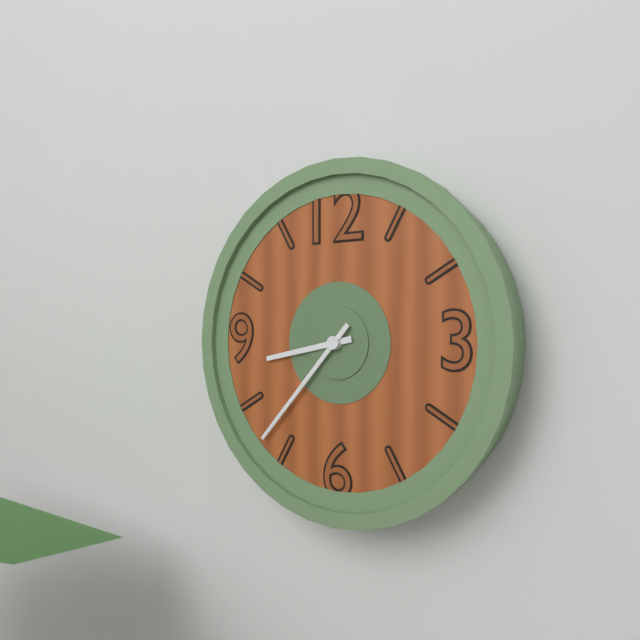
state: 8:37
